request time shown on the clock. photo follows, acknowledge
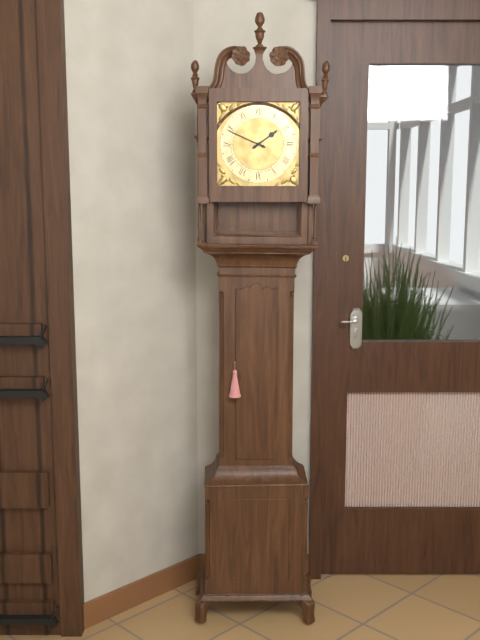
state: 1:49
